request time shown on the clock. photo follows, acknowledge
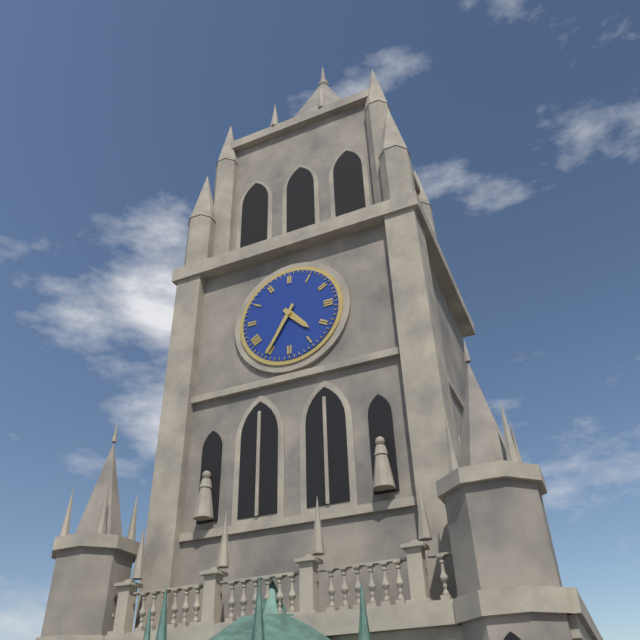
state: 4:35
